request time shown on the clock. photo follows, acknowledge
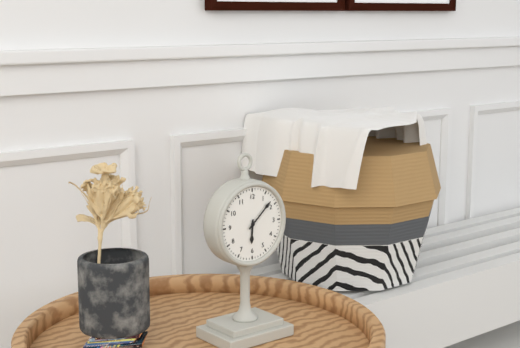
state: 6:08
